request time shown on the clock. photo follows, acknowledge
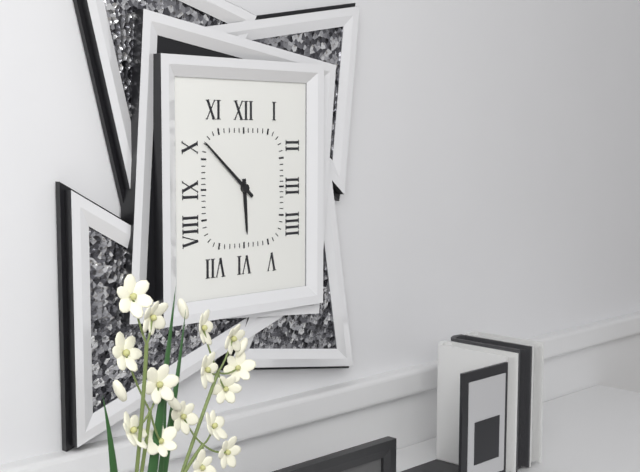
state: 5:52
